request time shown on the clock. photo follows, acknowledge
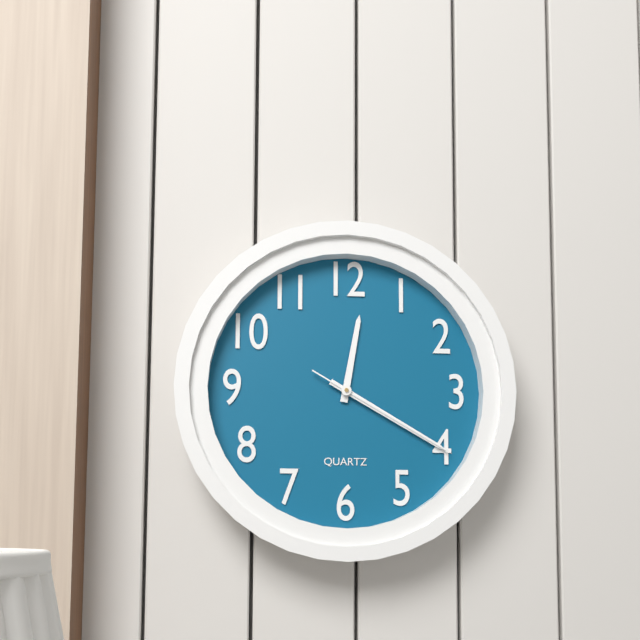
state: 12:20:20
